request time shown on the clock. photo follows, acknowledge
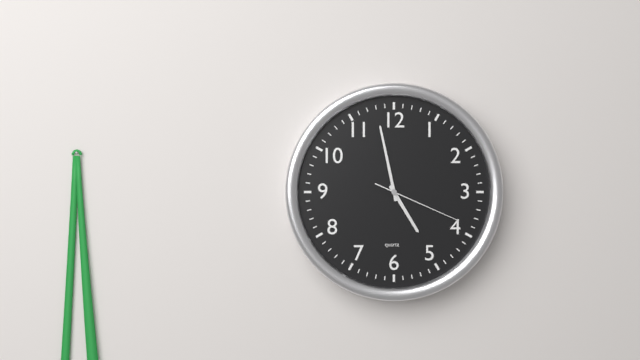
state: 4:58:19
